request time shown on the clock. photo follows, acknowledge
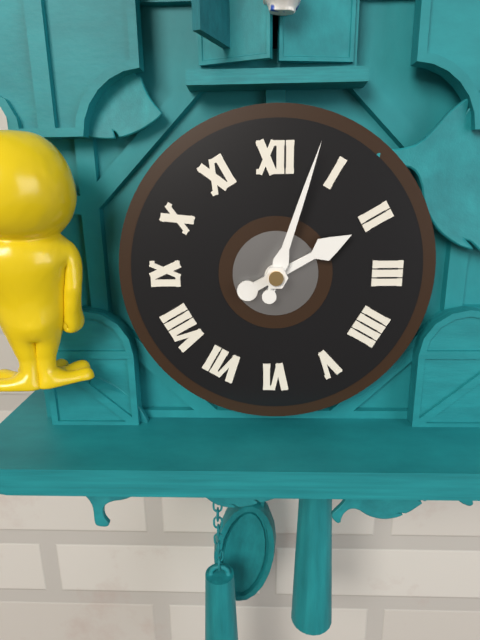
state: 2:03
